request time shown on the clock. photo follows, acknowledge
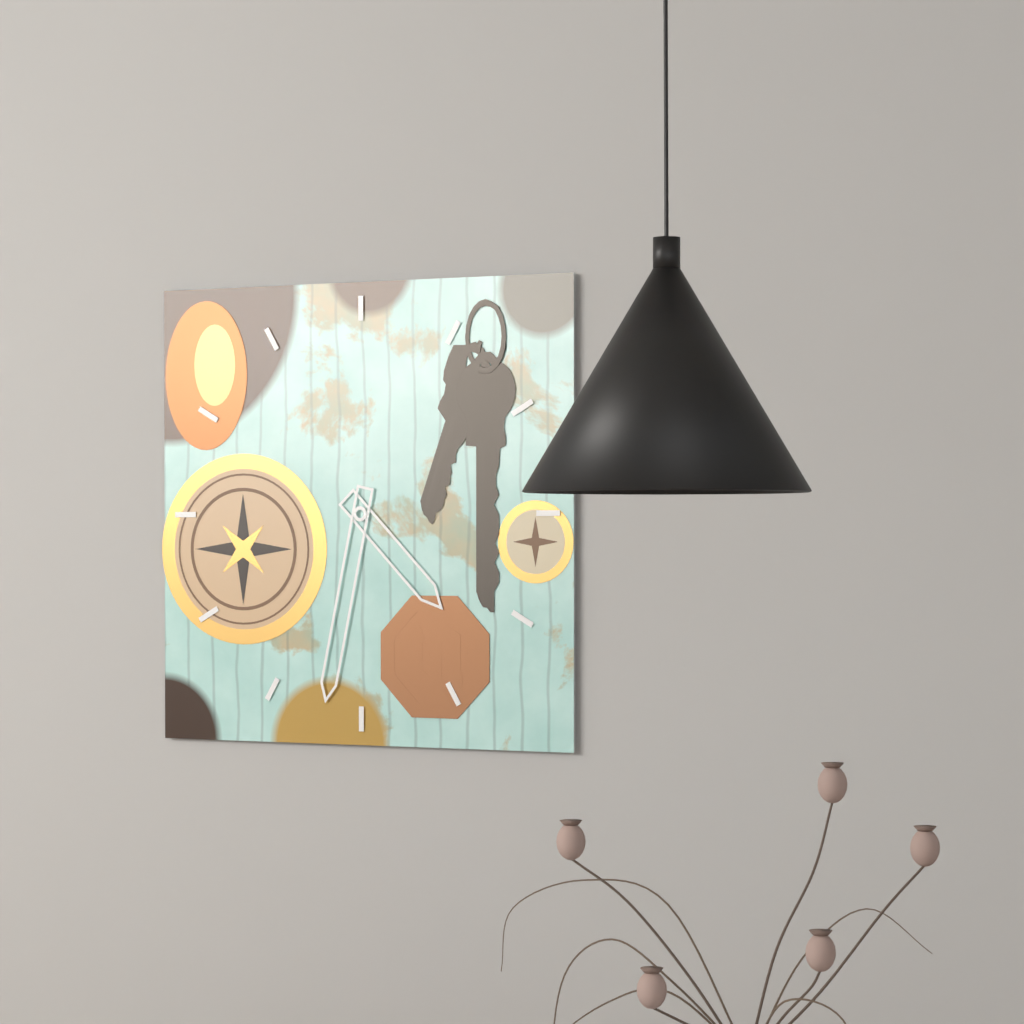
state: 4:32
